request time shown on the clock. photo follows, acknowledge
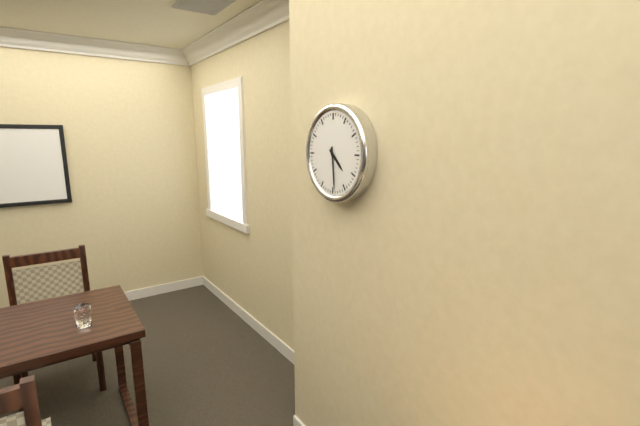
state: 4:29
